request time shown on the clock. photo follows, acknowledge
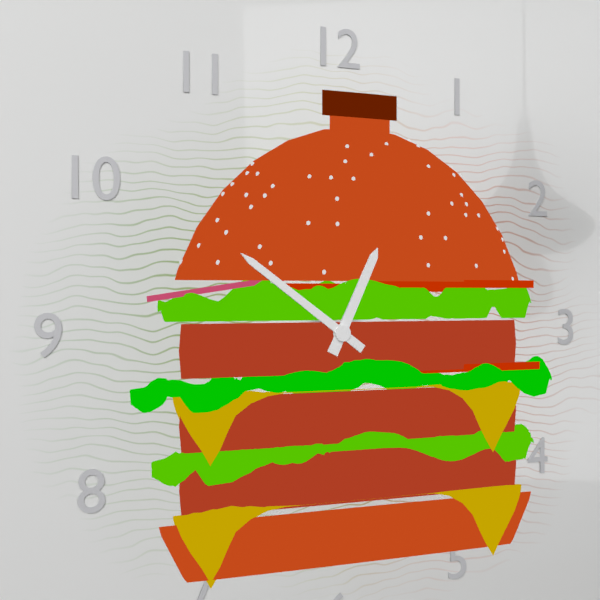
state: 12:51
